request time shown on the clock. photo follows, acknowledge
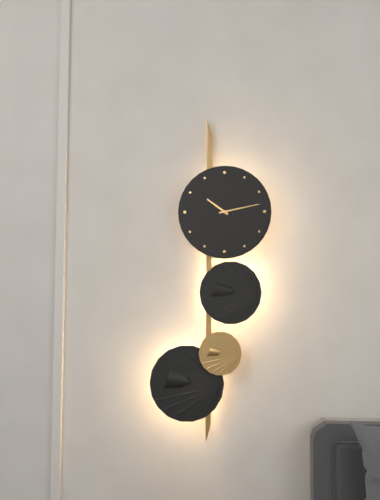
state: 10:13
